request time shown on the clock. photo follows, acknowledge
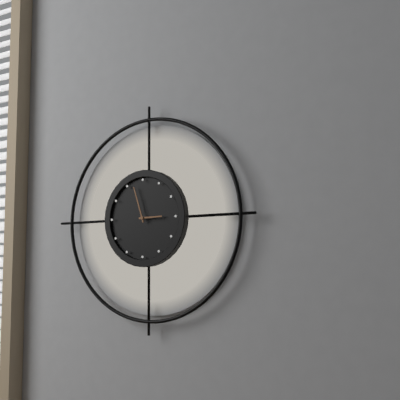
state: 2:57
